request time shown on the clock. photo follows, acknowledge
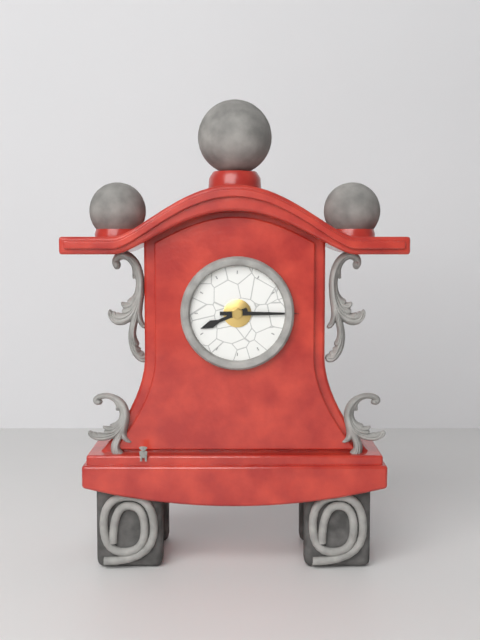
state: 8:15
